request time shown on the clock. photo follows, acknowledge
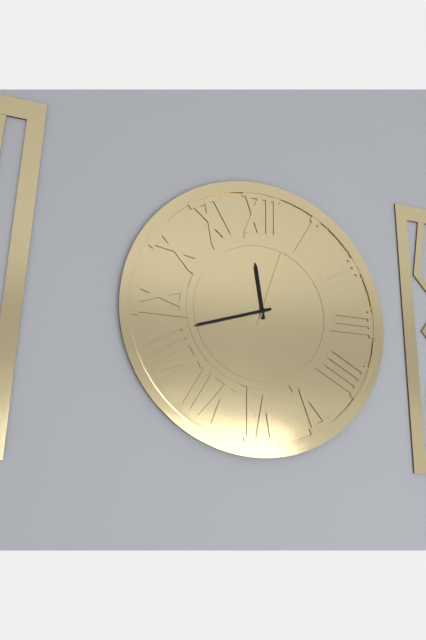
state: 11:42:03
